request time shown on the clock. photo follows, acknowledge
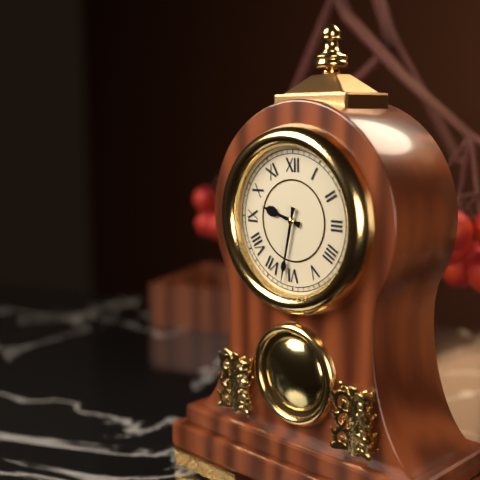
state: 9:32
